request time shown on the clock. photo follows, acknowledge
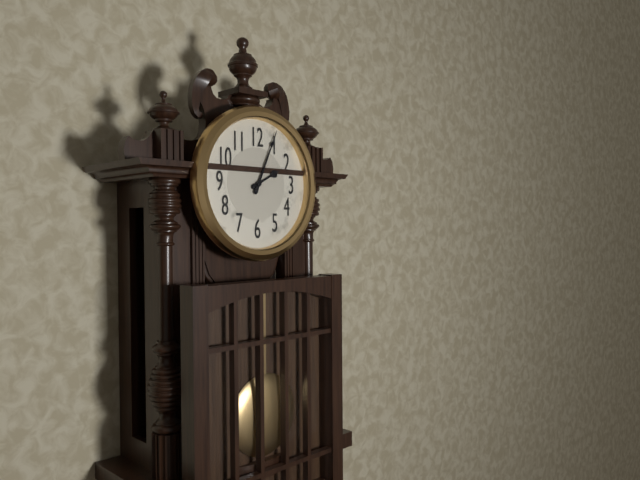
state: 2:04
